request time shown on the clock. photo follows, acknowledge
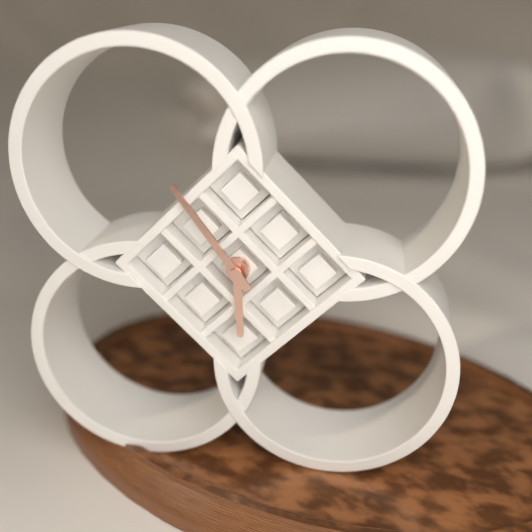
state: 5:54
